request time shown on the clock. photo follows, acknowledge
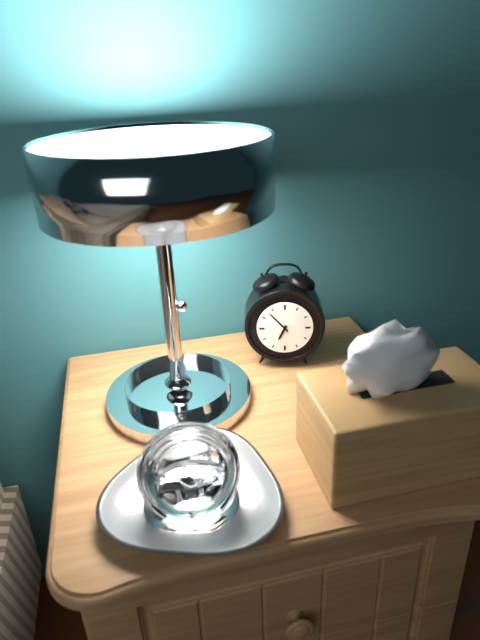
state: 6:53
